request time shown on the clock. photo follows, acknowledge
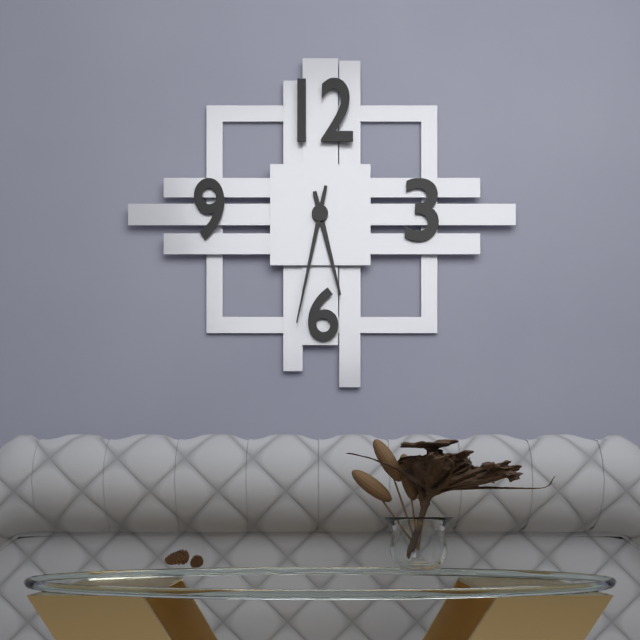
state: 5:32
